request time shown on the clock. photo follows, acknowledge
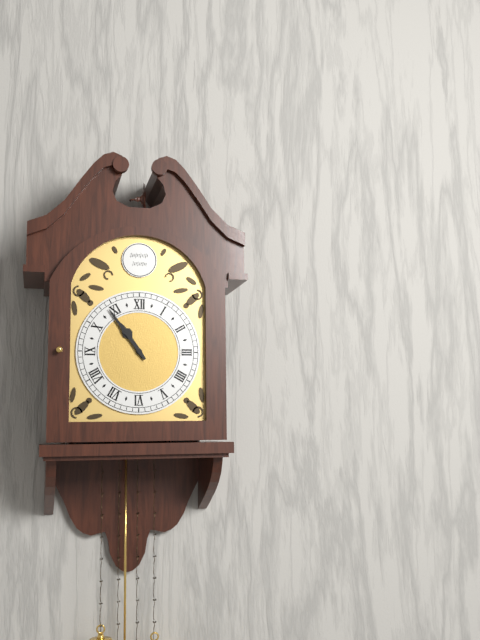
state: 10:54
